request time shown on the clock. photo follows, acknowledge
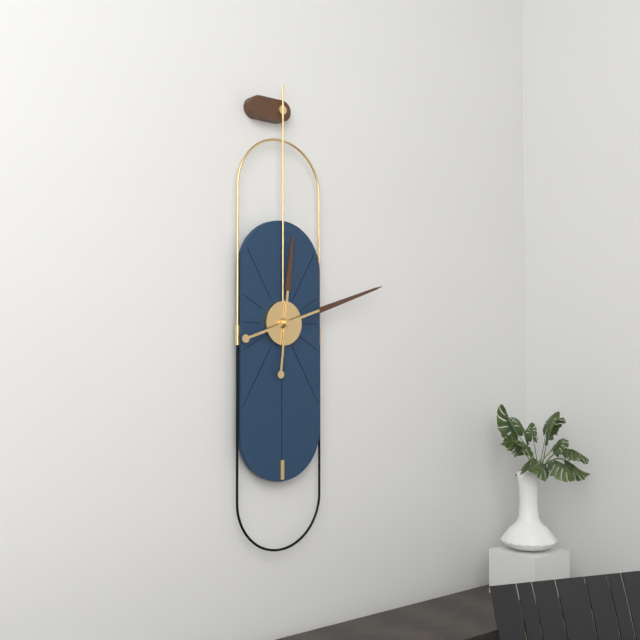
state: 12:12
